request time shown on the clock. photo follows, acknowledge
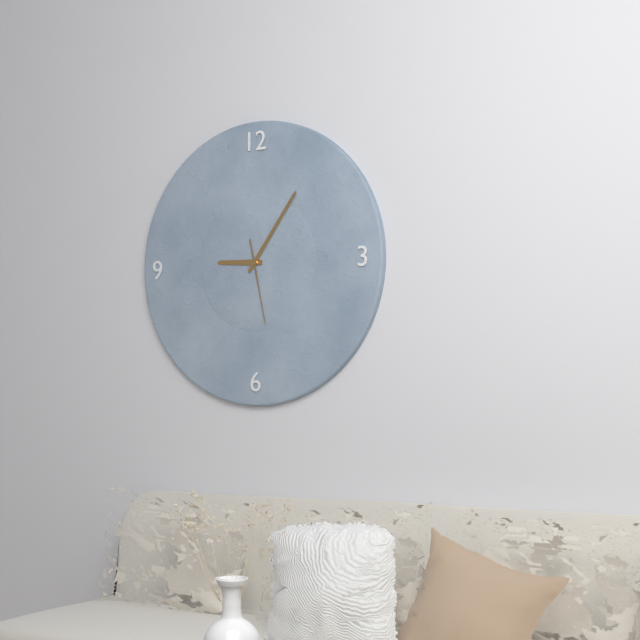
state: 9:06:28
